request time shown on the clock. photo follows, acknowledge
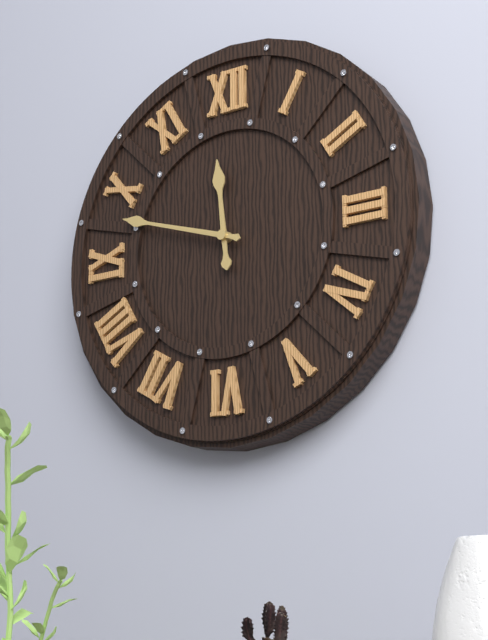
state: 11:48
